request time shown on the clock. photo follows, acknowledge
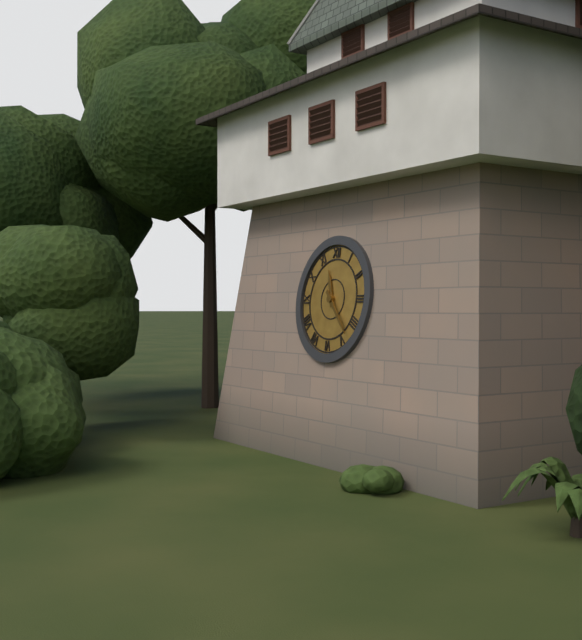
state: 11:23
